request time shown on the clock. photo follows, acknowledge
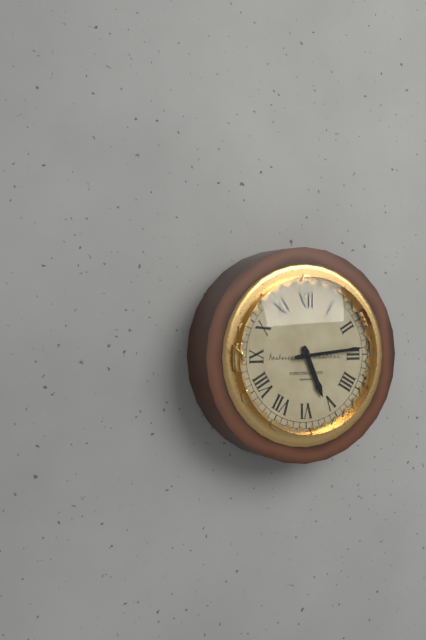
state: 5:14
